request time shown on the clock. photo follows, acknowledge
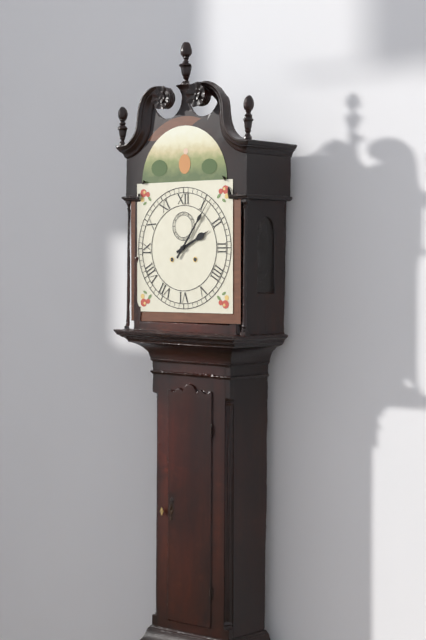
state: 2:06
